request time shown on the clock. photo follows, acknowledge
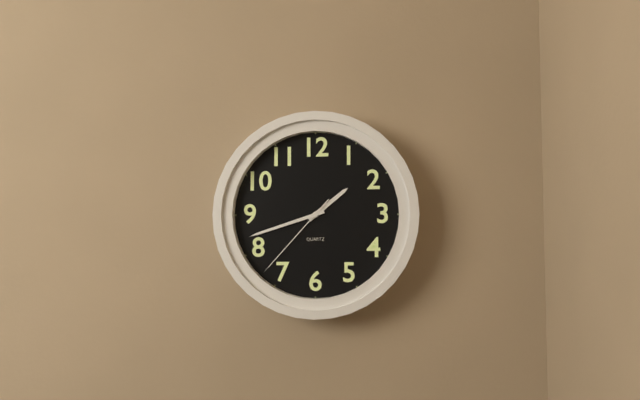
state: 1:42:37
